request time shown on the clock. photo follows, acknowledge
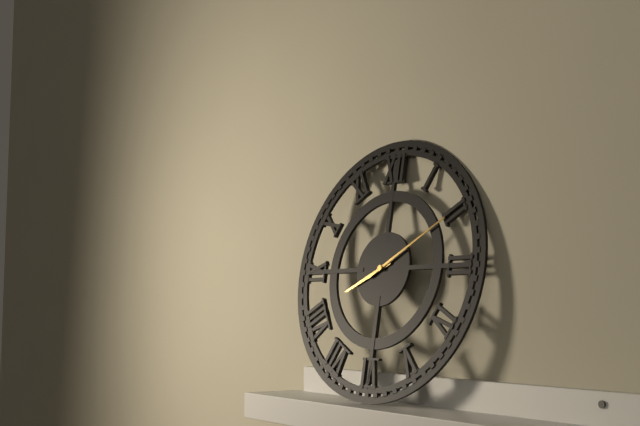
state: 8:10
